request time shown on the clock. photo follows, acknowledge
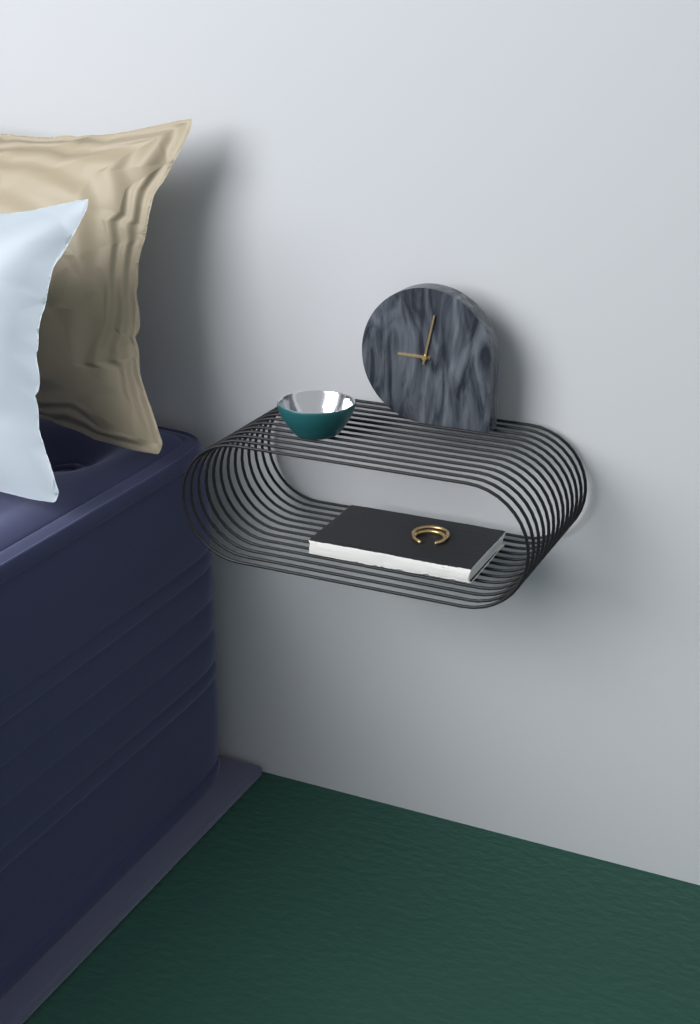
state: 9:02
